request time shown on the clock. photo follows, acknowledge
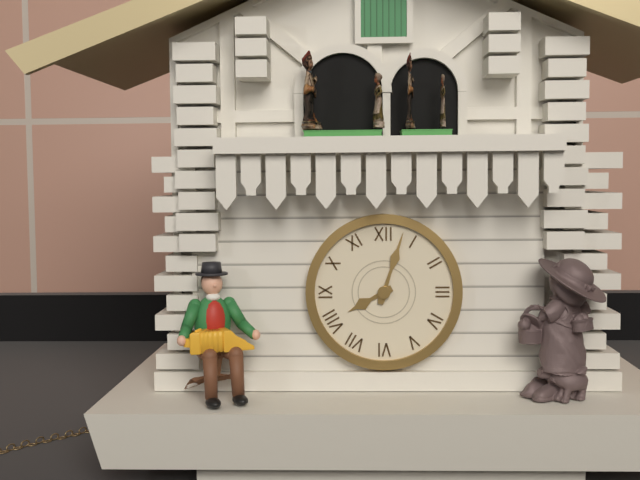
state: 8:03
